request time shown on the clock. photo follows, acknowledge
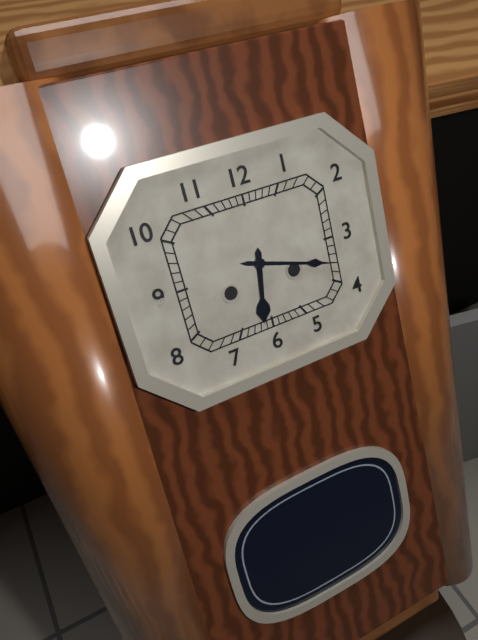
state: 6:18
